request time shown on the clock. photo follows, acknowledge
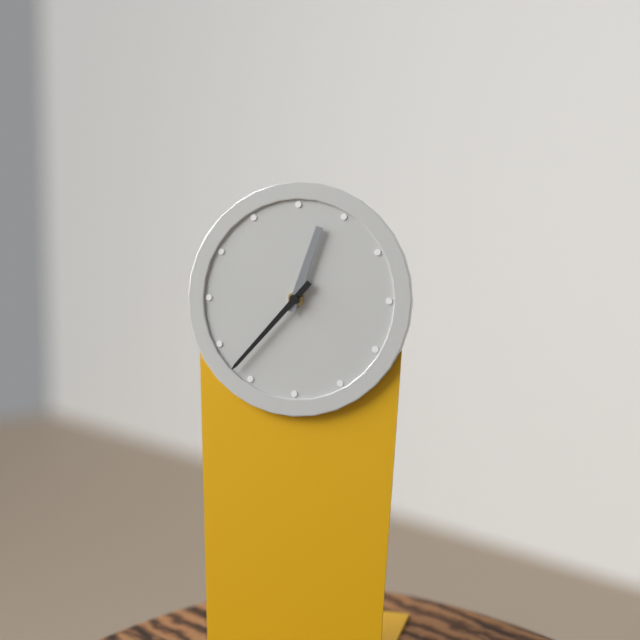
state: 12:37
